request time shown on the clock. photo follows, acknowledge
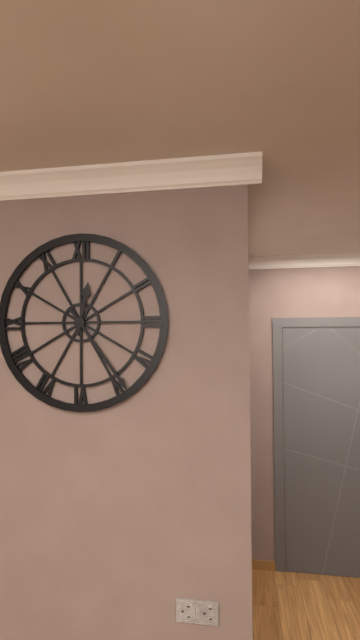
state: 12:24
